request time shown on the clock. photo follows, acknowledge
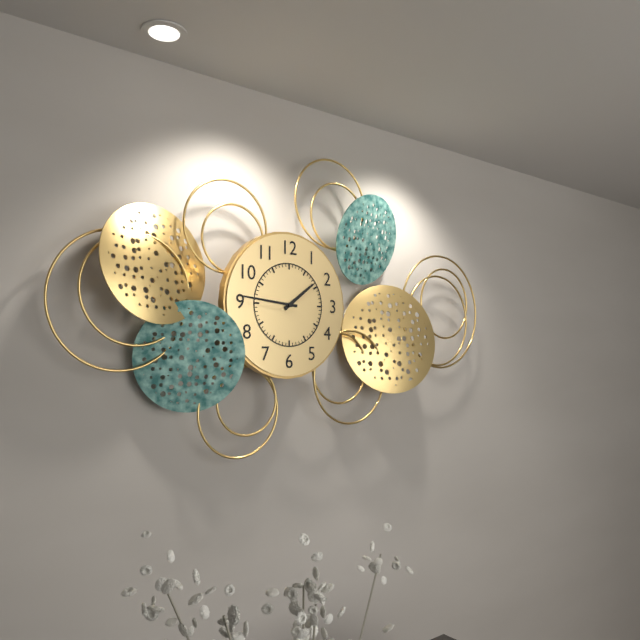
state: 1:46
